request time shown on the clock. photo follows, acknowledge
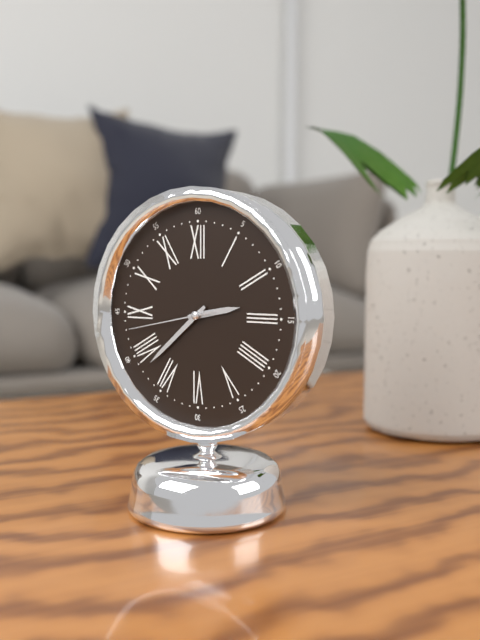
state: 2:38:43
